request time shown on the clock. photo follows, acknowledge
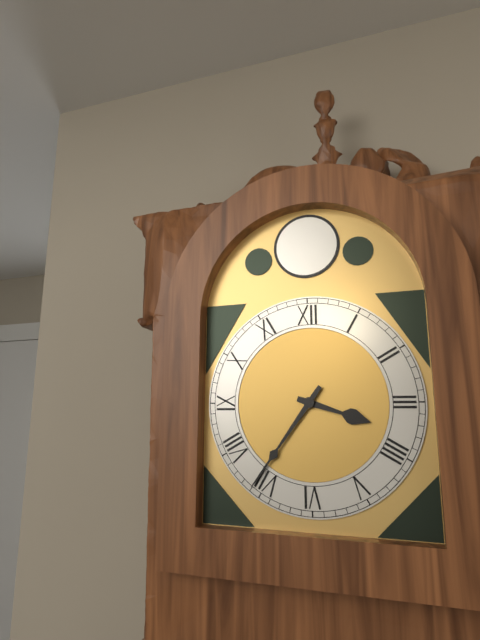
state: 3:36
